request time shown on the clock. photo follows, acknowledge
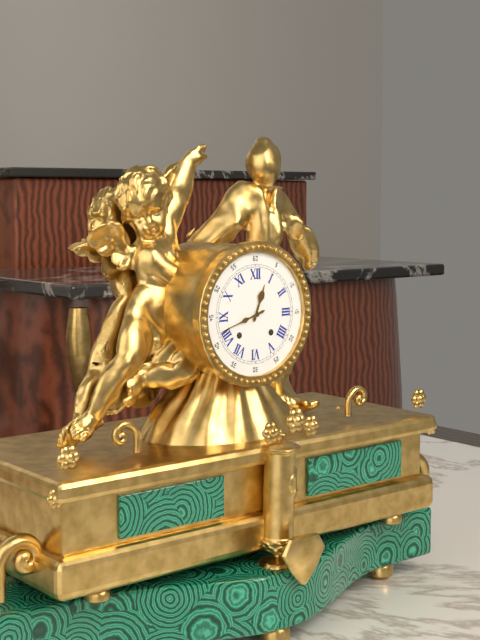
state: 12:42
